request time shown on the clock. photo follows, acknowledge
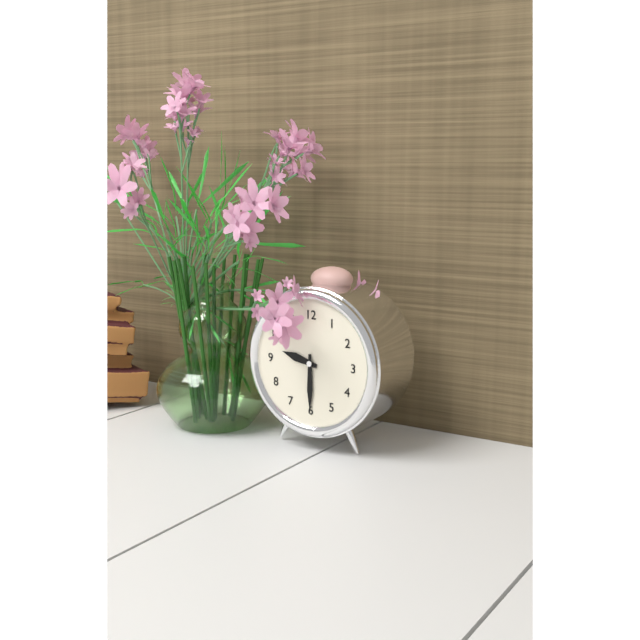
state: 9:30
